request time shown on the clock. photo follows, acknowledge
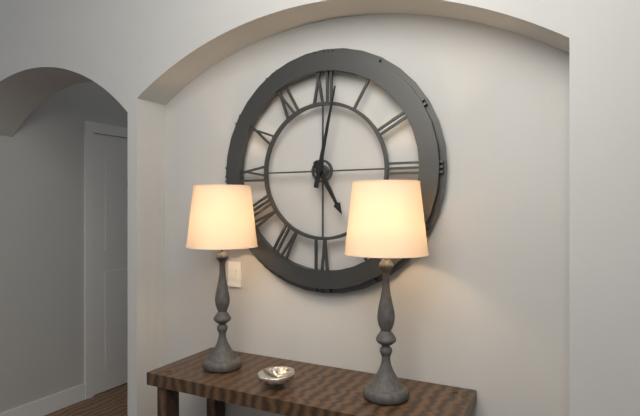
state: 5:02
